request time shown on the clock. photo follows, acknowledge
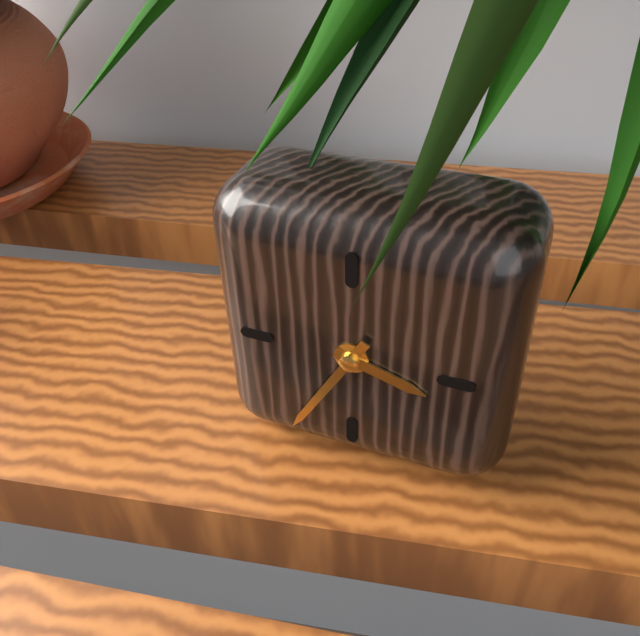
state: 3:35
